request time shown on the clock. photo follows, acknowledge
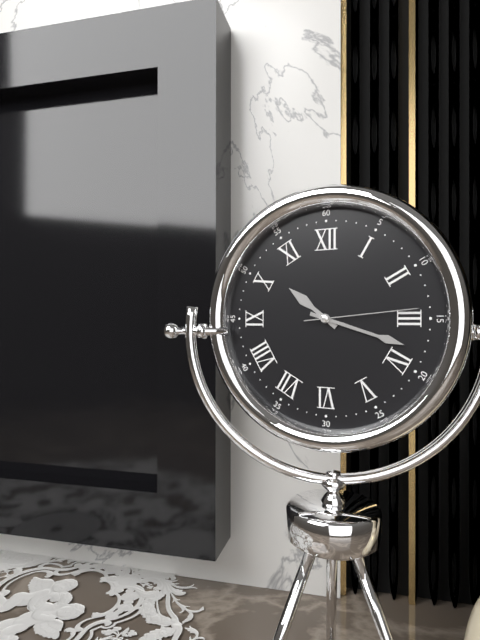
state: 10:18:14
